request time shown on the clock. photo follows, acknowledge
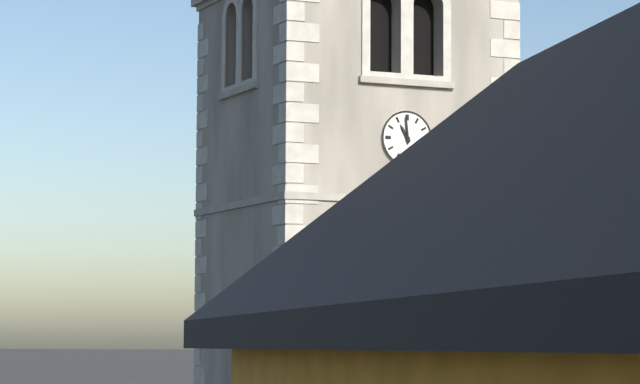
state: 10:59
